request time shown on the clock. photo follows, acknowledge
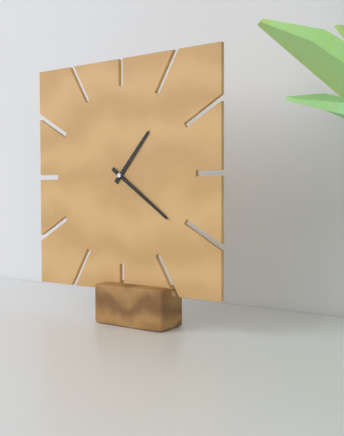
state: 1:21
